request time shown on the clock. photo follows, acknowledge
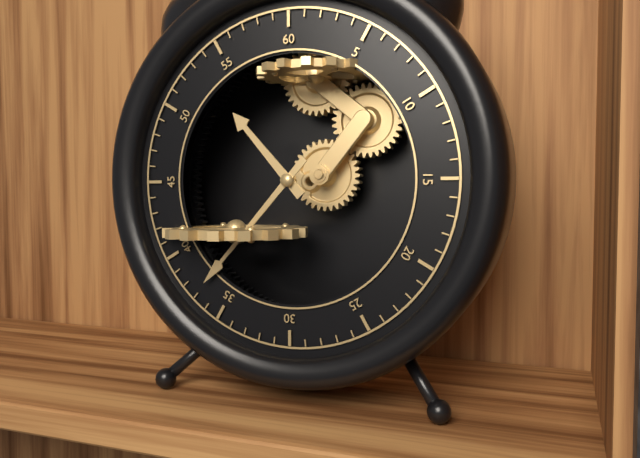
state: 10:37
